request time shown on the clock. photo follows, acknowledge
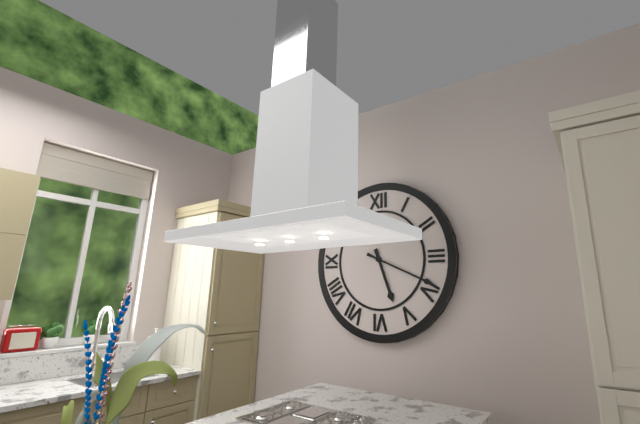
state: 5:19
